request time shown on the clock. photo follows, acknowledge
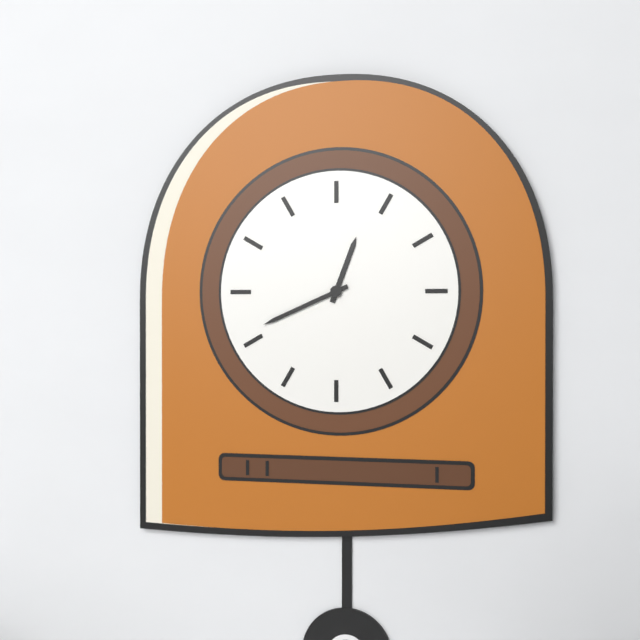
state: 12:41
